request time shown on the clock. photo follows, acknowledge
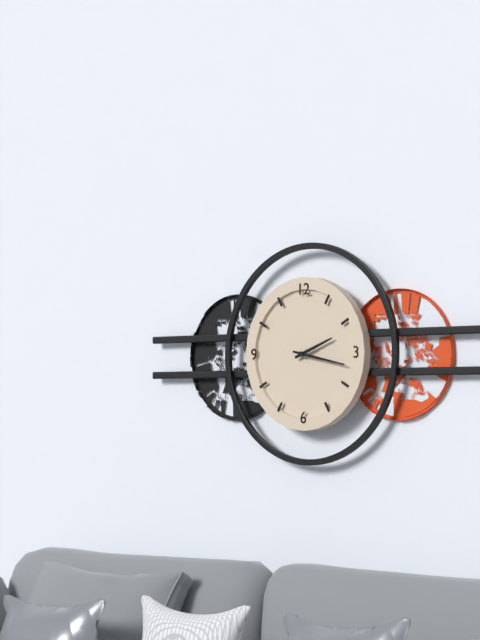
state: 2:17
